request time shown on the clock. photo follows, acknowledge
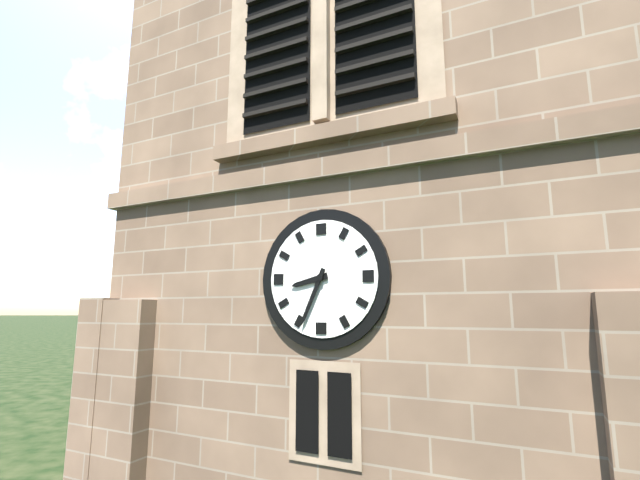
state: 8:34
